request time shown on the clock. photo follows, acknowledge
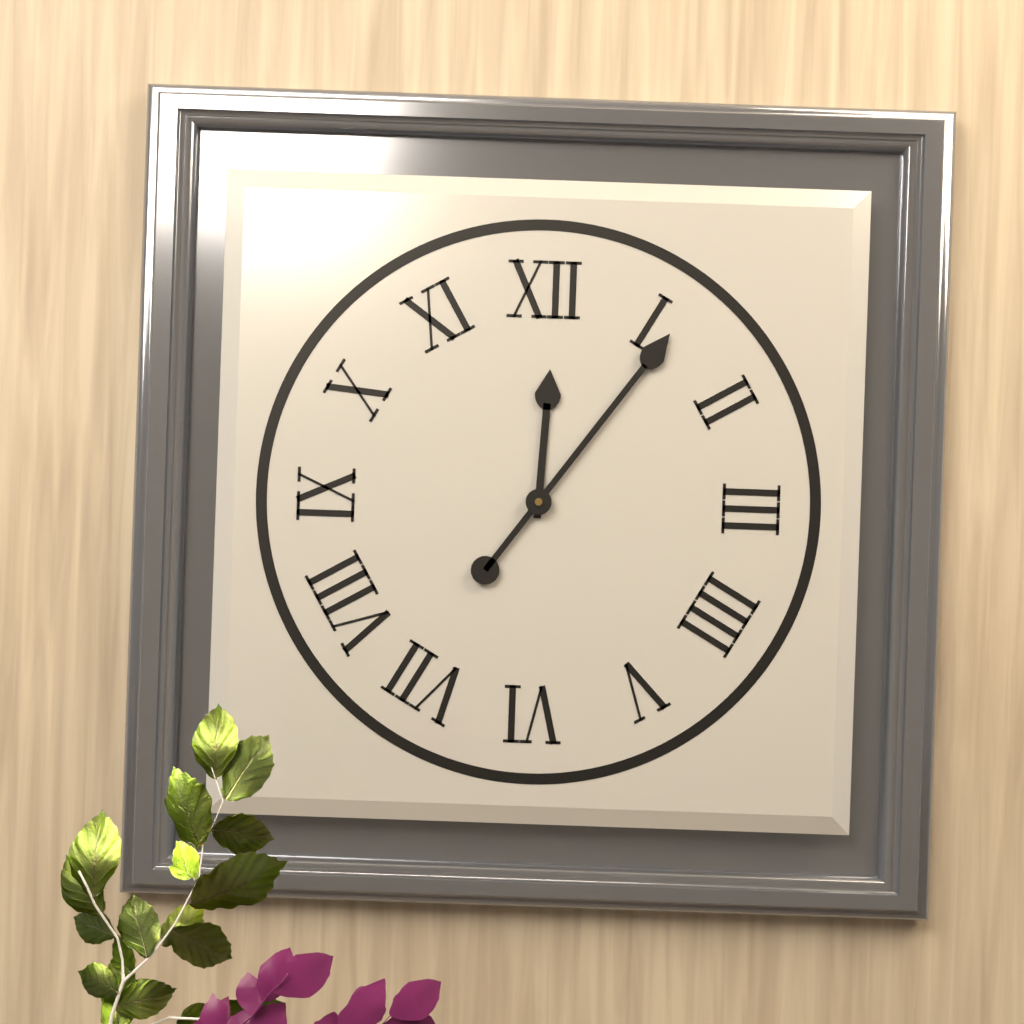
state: 12:06
